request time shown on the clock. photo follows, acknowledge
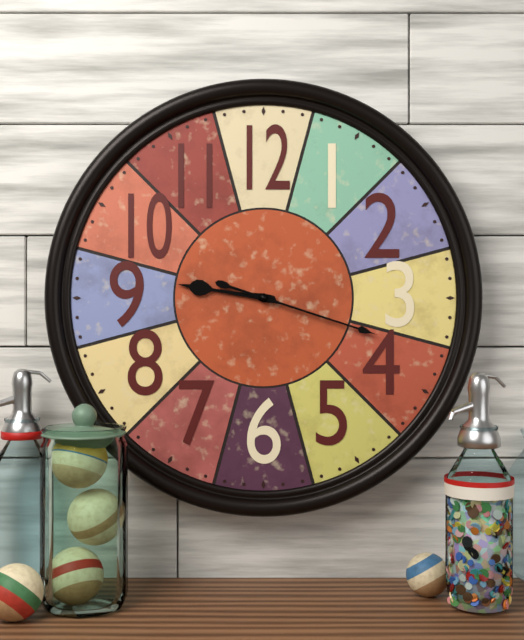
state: 9:18
